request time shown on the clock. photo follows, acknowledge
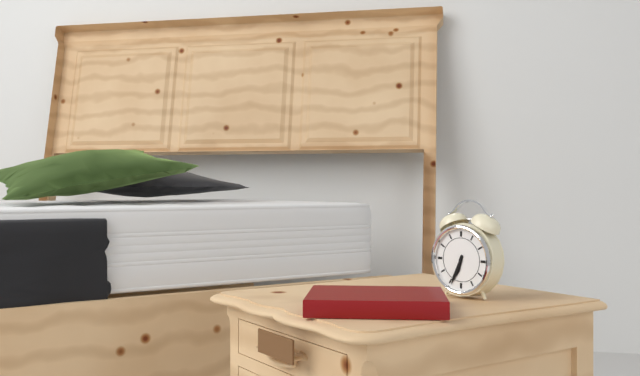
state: 6:34
